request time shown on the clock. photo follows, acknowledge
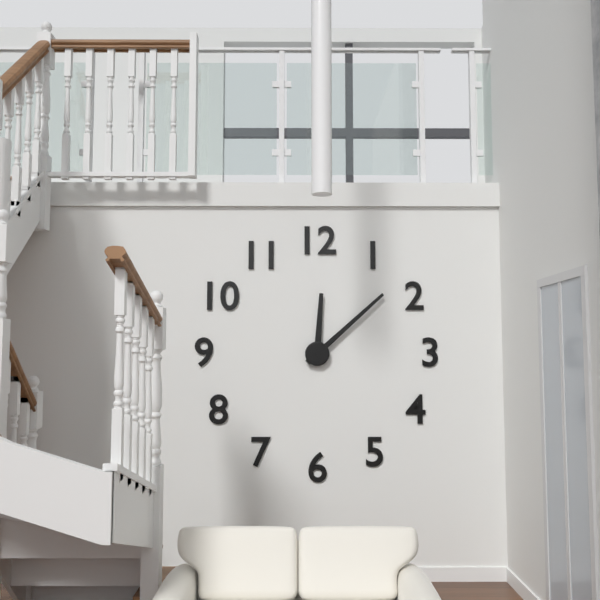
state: 12:08
